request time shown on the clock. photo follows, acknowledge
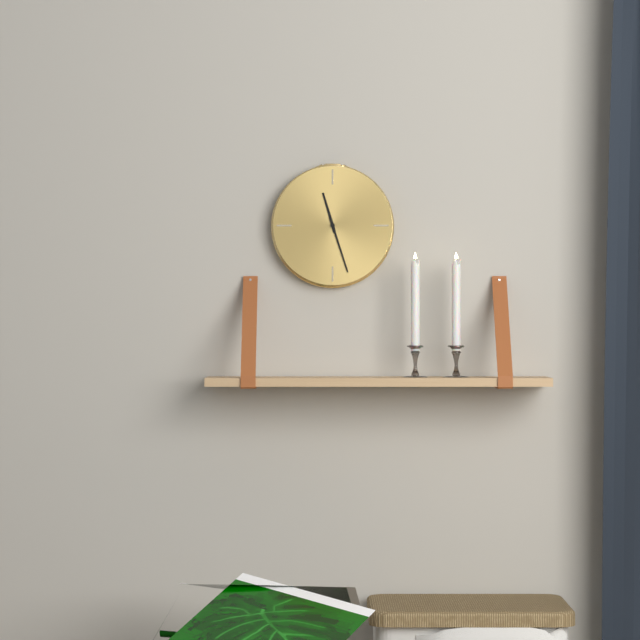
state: 11:27
